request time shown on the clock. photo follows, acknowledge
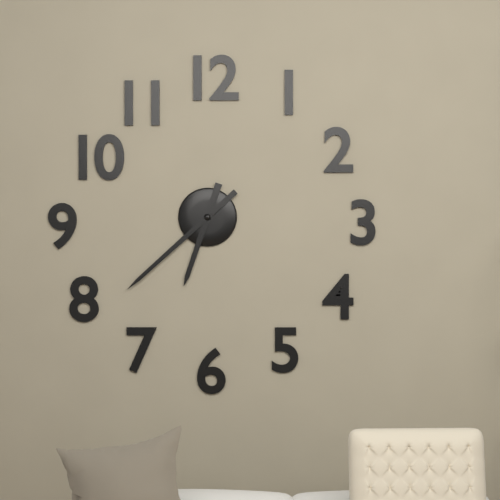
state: 6:38
